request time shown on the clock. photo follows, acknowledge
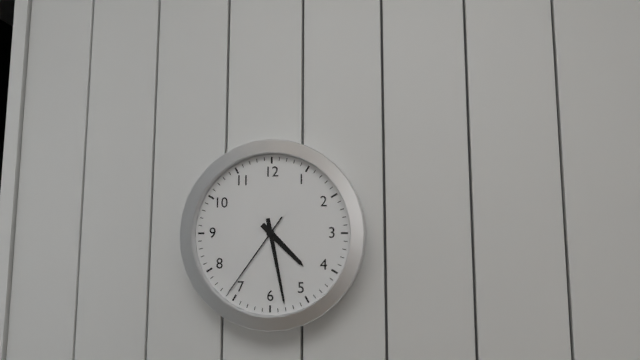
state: 4:28:36
